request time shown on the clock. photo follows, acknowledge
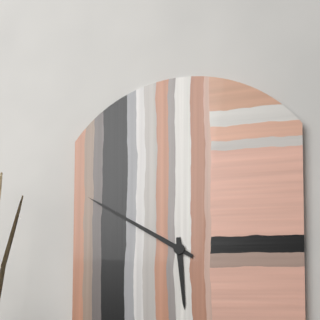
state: 5:50
